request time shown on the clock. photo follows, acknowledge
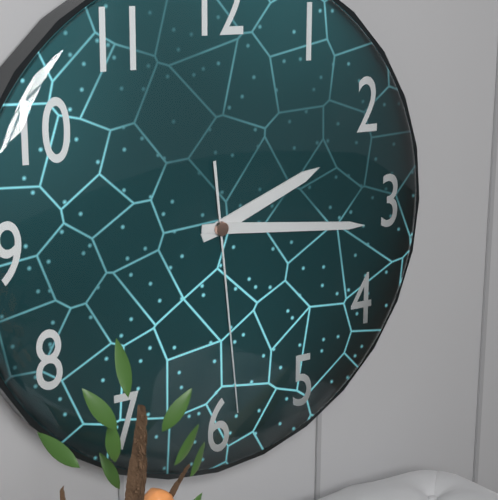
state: 2:16:29
